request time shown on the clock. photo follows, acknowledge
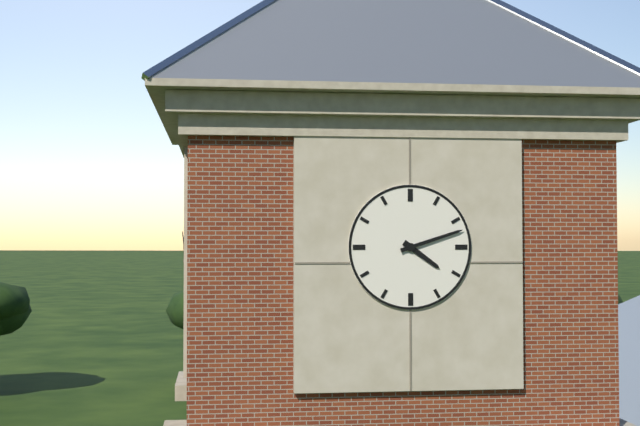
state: 4:12
